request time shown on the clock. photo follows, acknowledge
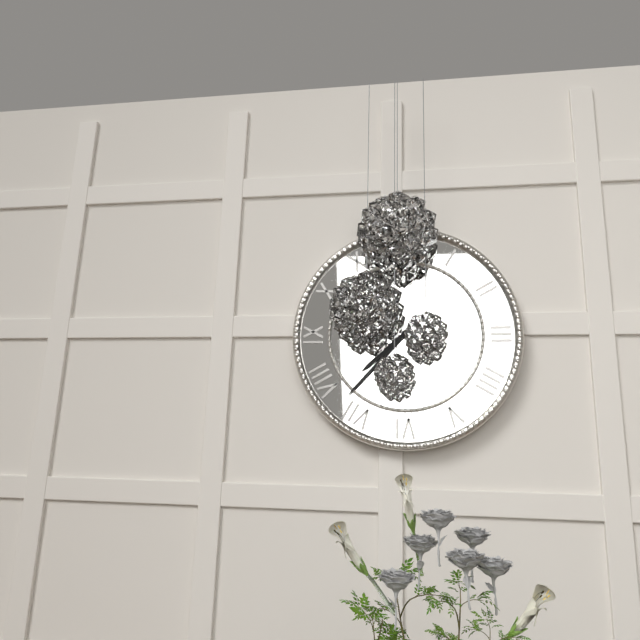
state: 7:37
